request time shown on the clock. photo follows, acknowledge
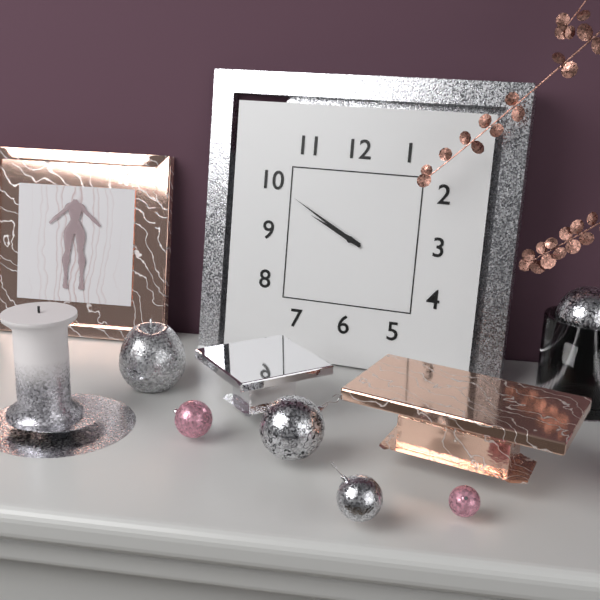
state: 9:50
